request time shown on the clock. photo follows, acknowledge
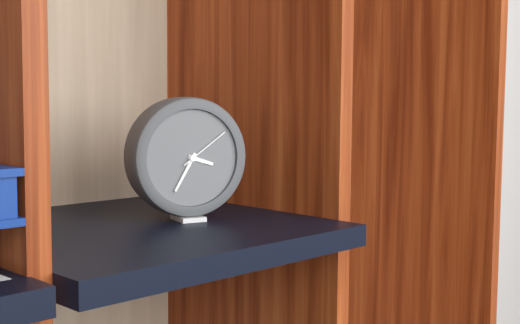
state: 3:35:09
